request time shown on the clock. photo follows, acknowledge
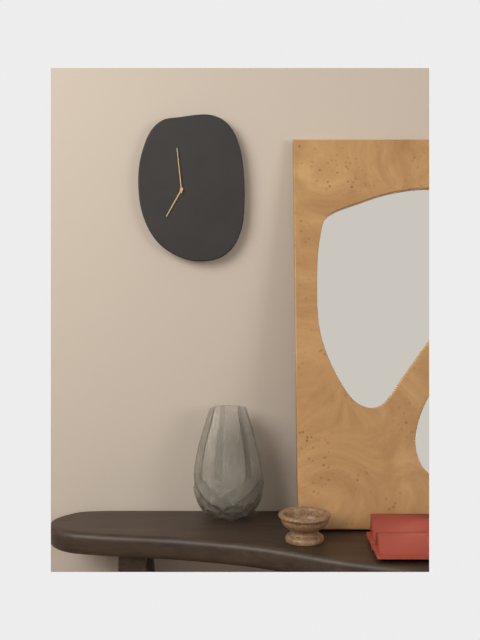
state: 6:59
